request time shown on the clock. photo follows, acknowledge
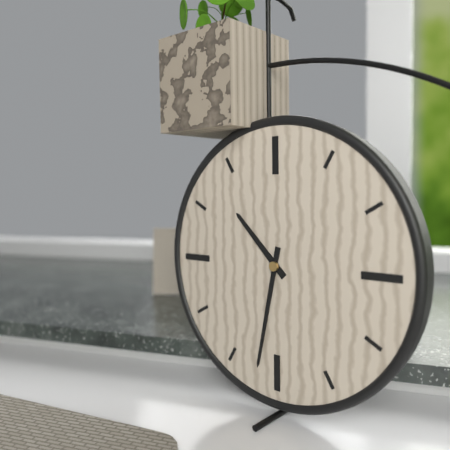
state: 10:32
